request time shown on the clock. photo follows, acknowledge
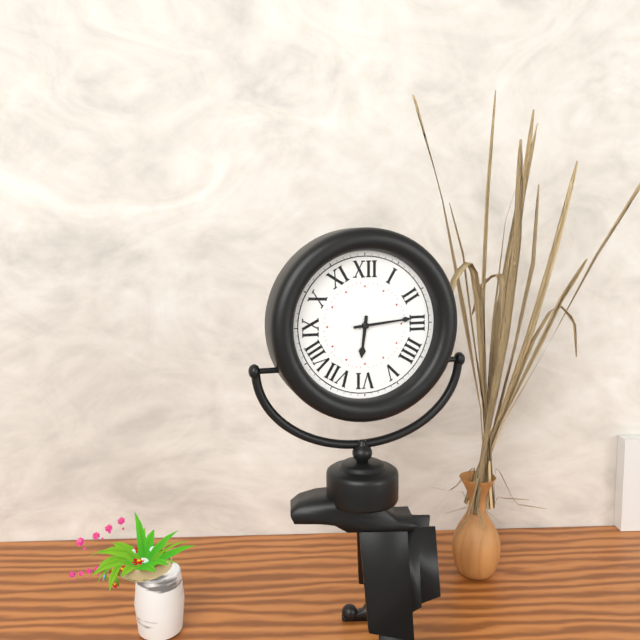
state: 6:14
